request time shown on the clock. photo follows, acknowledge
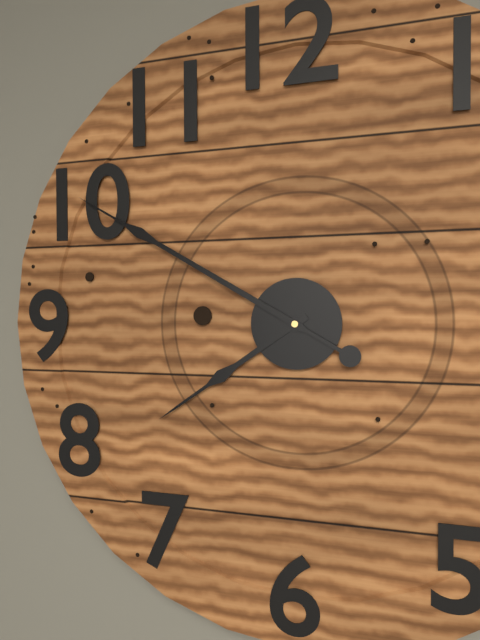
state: 7:50
